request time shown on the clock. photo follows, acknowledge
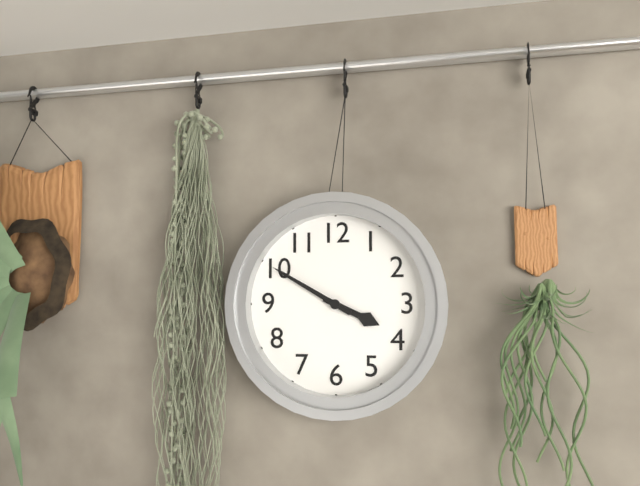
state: 3:50
